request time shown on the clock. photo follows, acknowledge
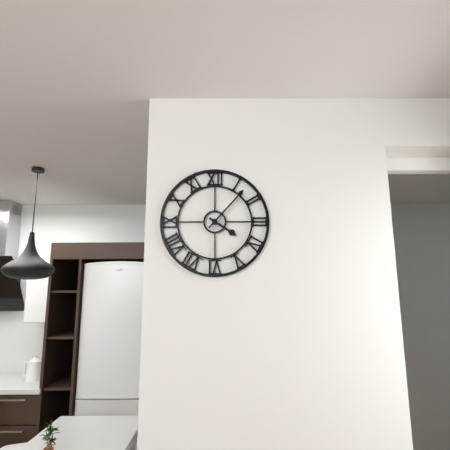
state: 4:07
